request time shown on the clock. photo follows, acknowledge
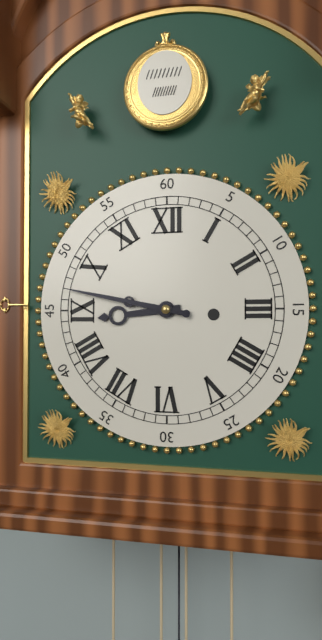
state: 8:47
